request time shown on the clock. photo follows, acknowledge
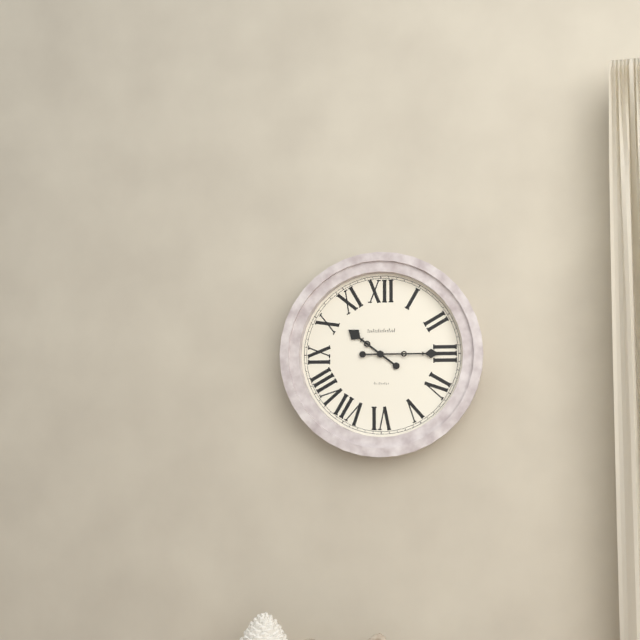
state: 10:15
